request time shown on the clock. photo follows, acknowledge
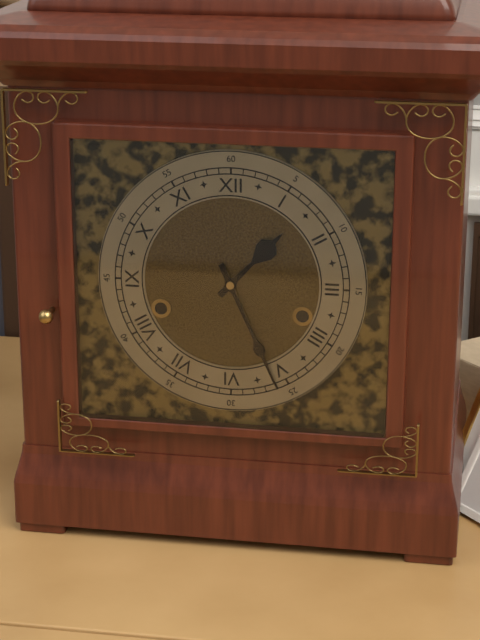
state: 1:26
